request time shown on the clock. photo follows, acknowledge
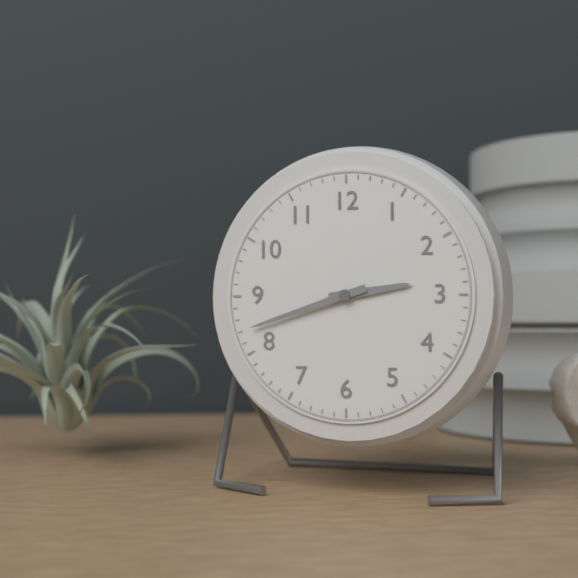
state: 2:42
